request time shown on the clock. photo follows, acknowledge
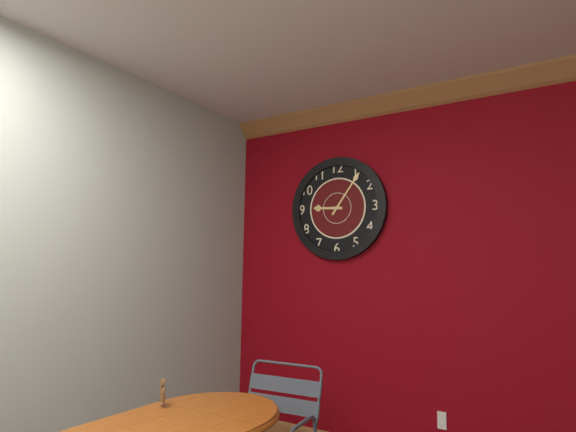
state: 9:06
